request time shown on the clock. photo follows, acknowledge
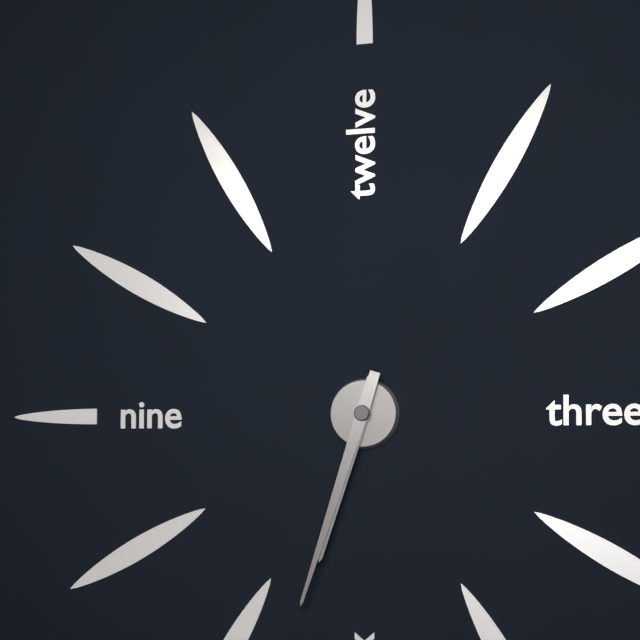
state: 6:33
